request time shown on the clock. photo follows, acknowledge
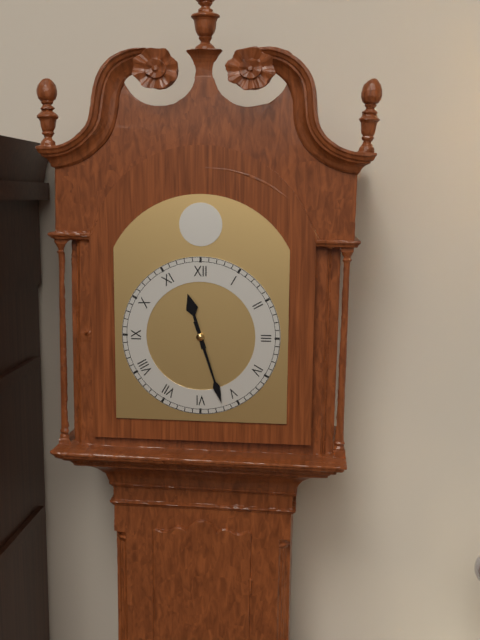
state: 11:27
